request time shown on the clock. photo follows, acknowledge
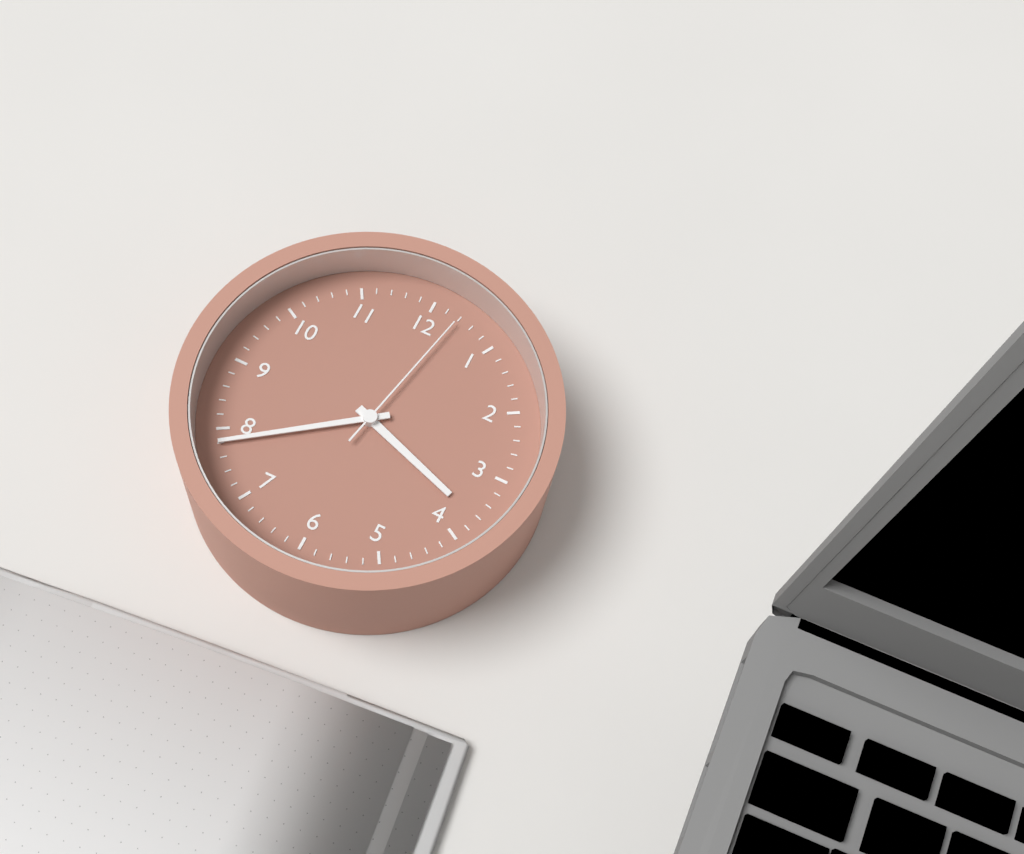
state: 3:39:02
